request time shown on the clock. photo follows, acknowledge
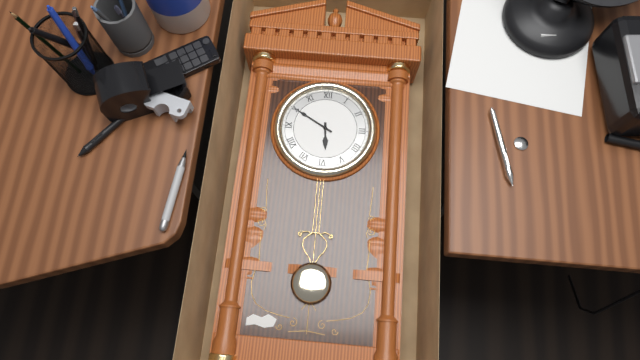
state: 5:50
